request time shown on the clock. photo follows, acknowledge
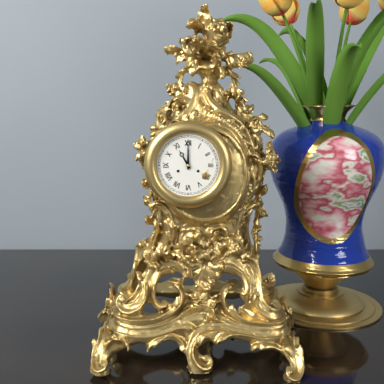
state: 11:00
